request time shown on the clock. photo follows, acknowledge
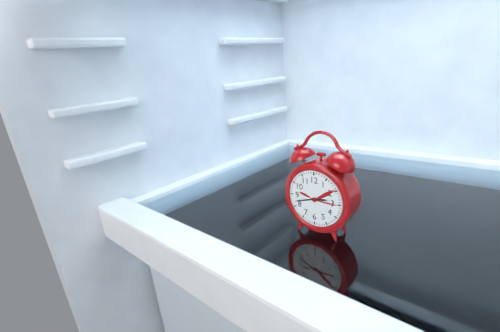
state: 2:42
